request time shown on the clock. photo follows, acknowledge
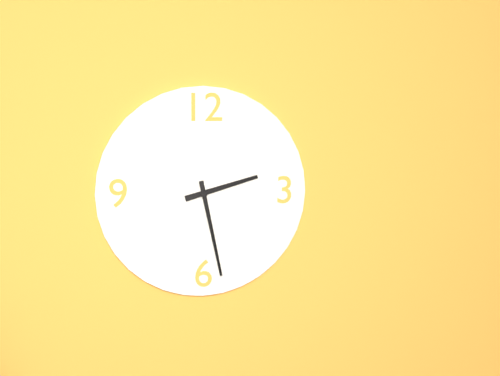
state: 2:28
